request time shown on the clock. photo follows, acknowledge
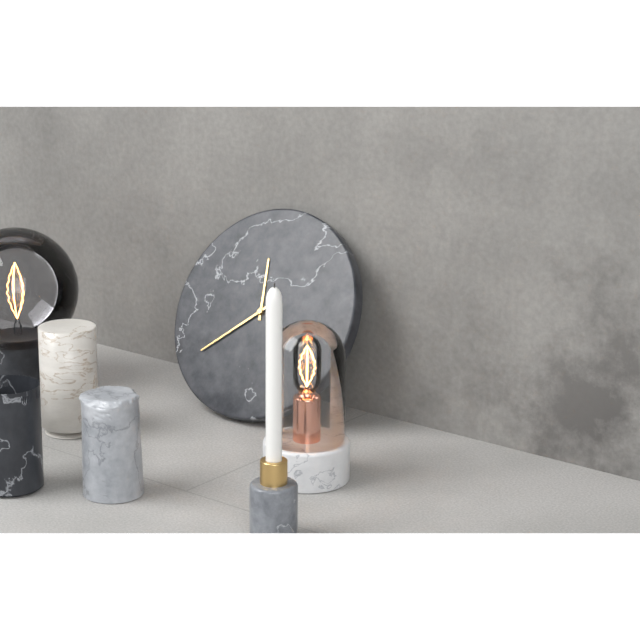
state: 11:38
